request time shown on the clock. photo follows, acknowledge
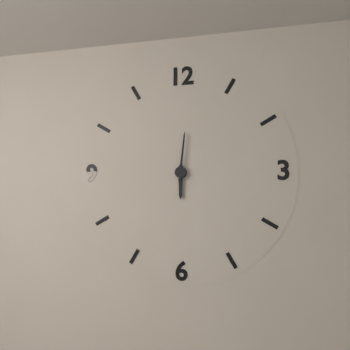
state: 6:01
